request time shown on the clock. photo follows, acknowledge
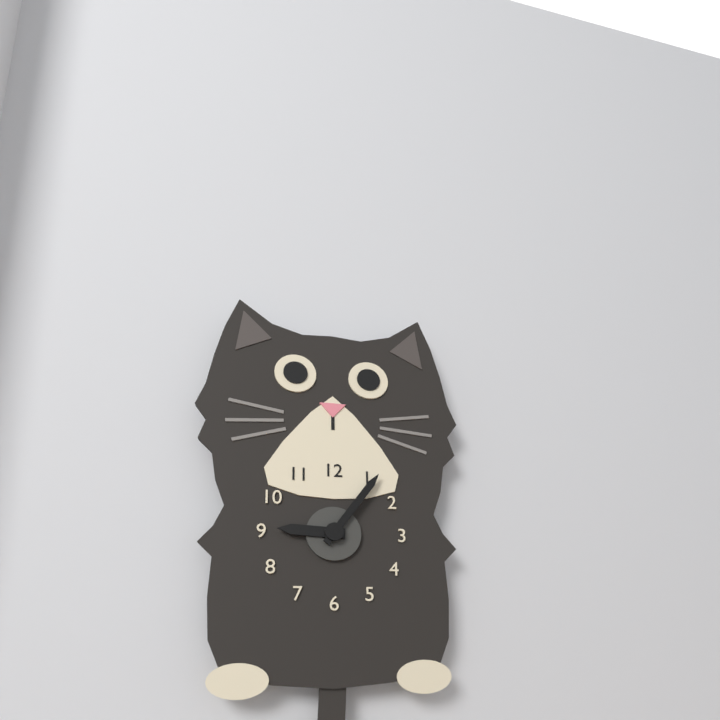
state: 9:06
